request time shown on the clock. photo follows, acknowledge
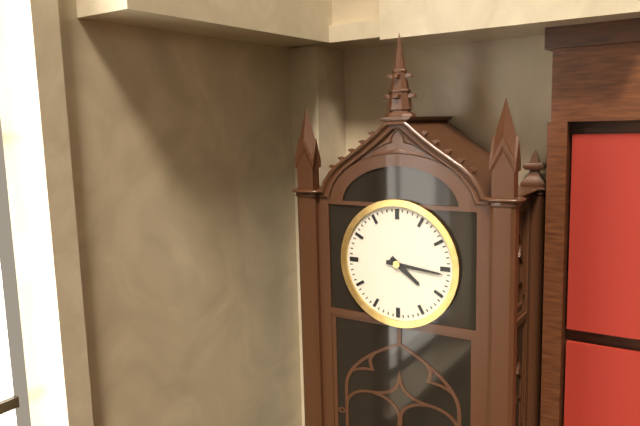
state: 4:16
